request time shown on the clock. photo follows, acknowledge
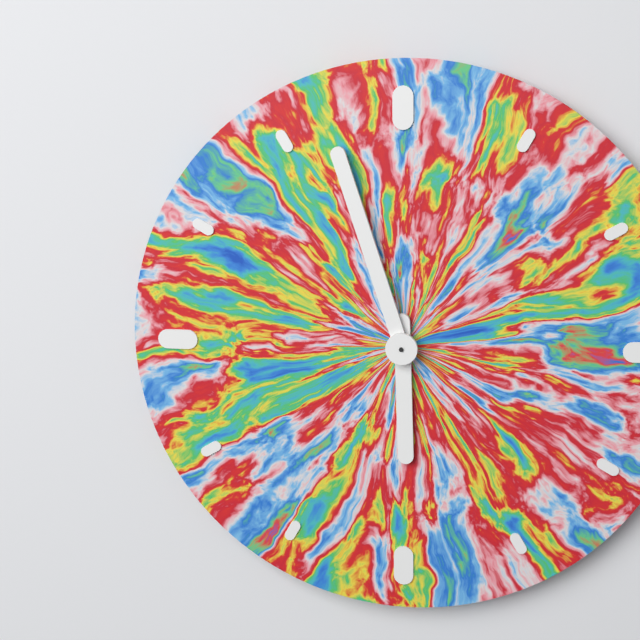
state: 5:57
